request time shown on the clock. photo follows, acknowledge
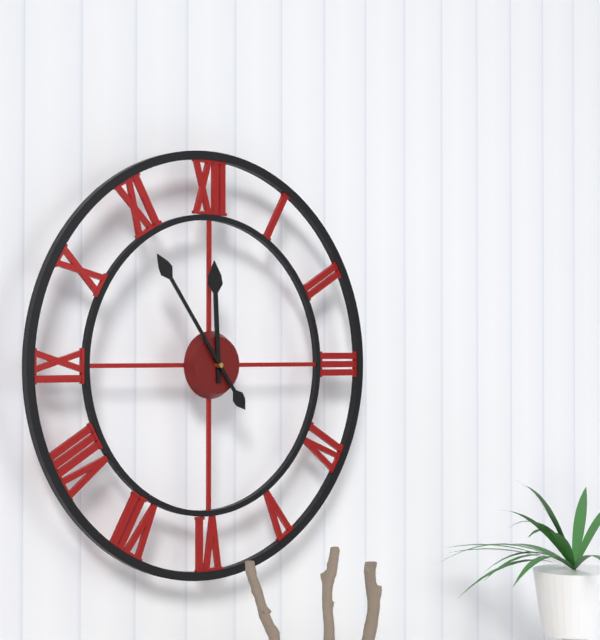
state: 11:54
